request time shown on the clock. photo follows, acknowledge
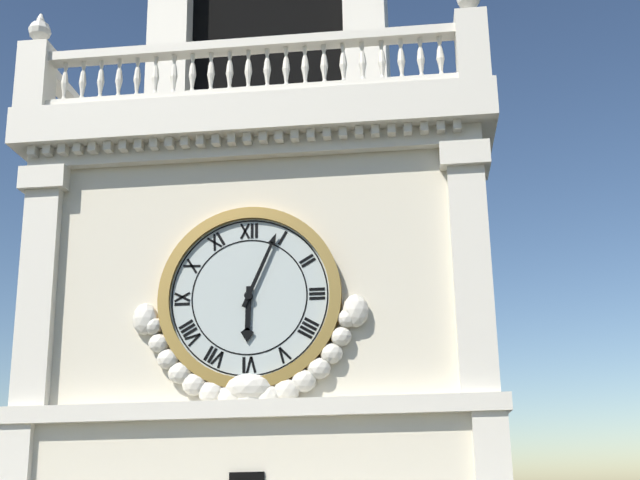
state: 6:04
